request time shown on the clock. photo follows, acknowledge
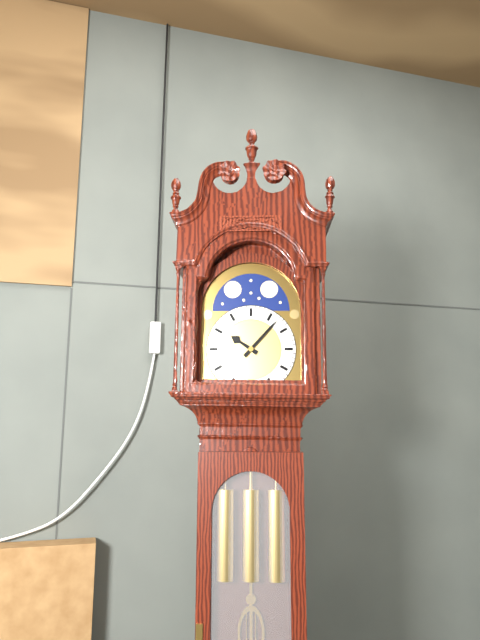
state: 10:07
